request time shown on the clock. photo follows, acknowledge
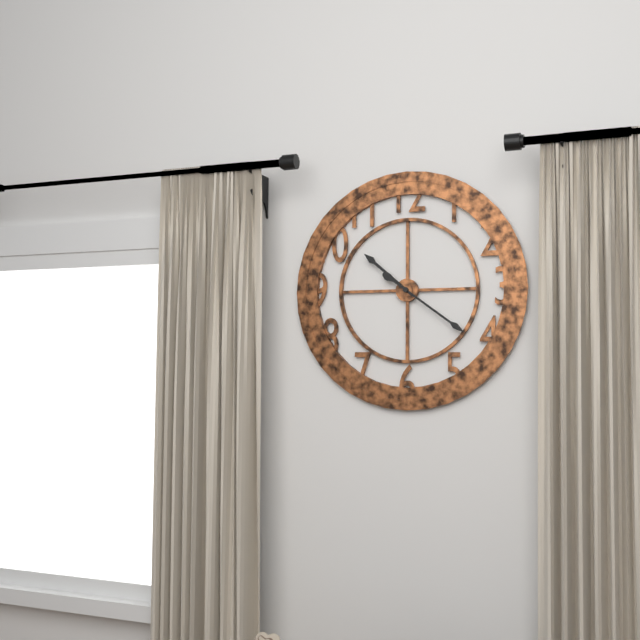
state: 10:21
